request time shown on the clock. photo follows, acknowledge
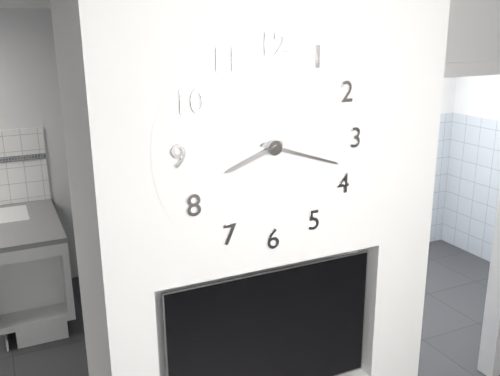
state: 8:18
